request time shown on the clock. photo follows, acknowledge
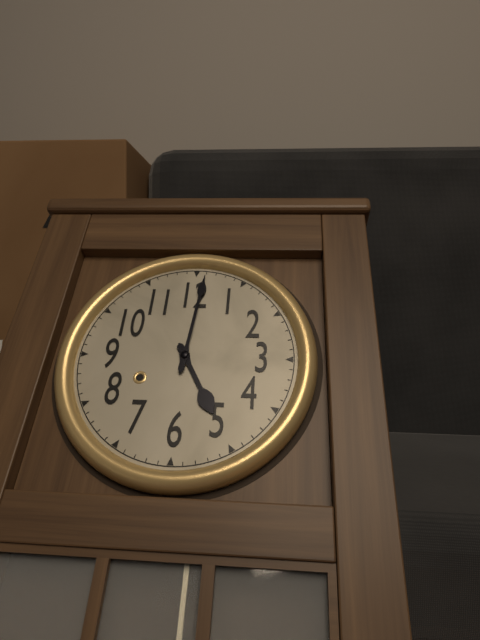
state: 5:01
